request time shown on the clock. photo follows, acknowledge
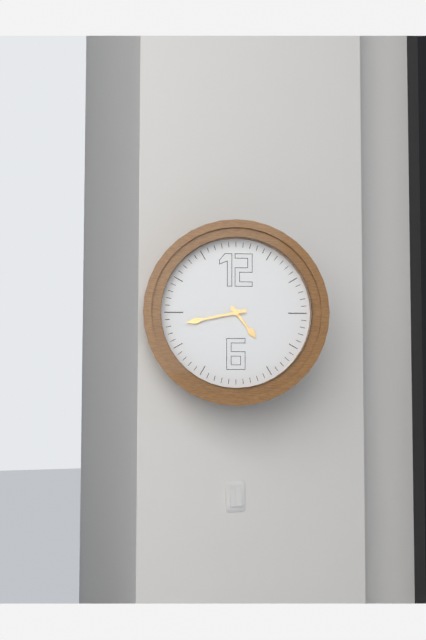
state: 4:43
